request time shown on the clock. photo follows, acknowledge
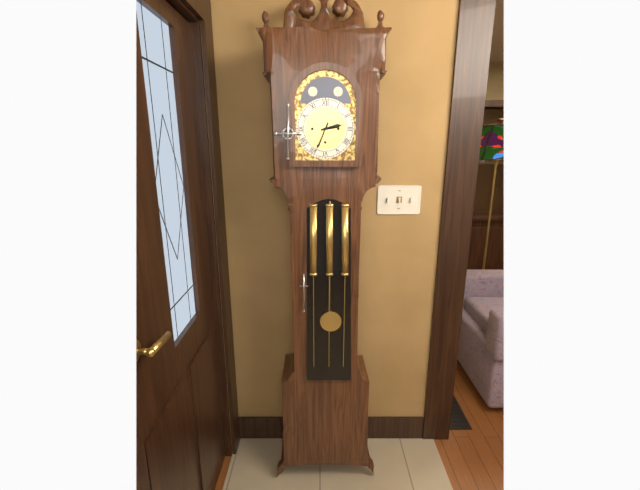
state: 2:34
